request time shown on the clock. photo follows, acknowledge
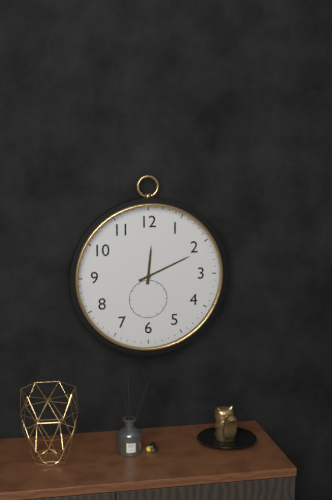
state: 12:11
